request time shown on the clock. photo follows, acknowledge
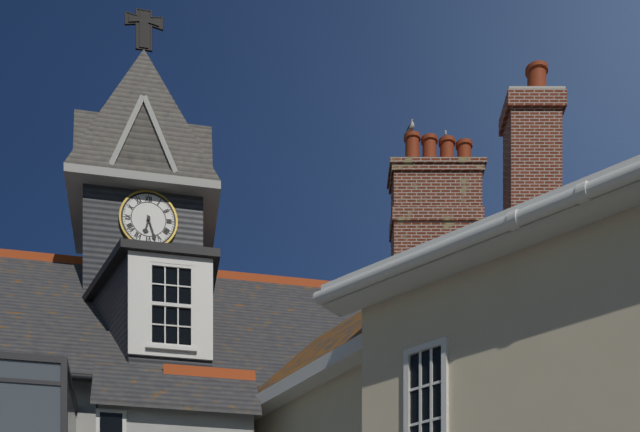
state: 6:27
